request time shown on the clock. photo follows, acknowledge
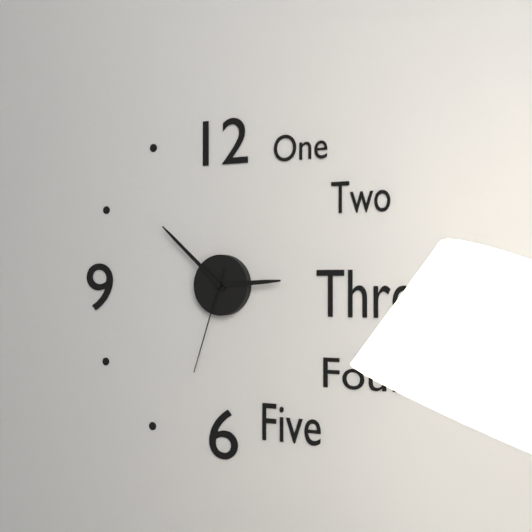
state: 2:52:33
